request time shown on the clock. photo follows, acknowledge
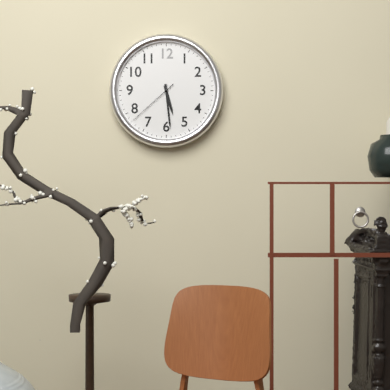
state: 5:29:38
